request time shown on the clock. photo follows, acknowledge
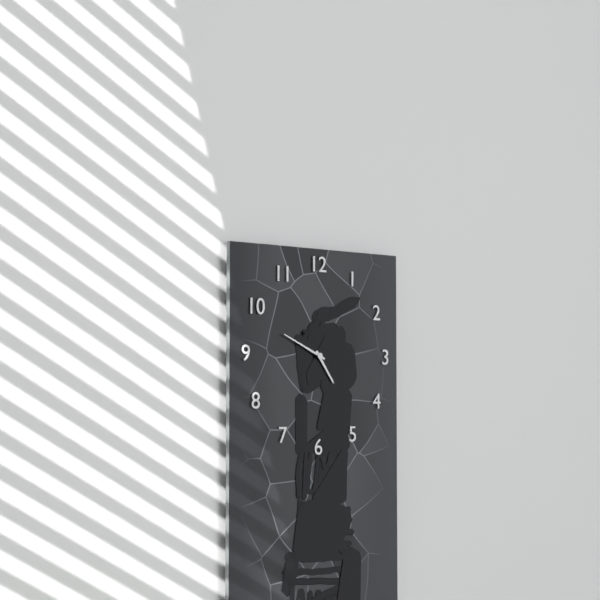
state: 4:49
